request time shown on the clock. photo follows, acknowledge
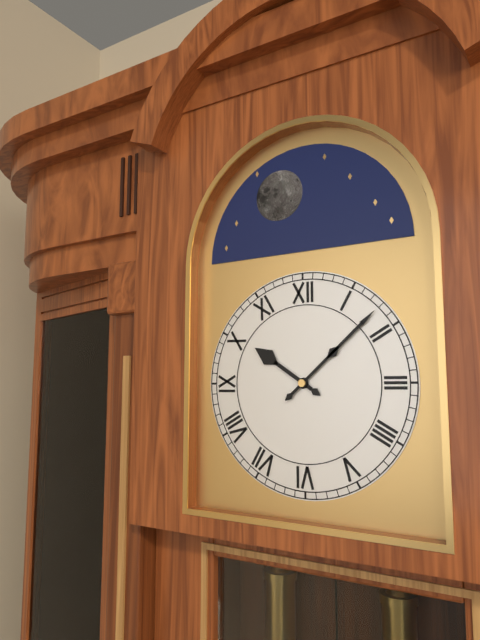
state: 10:08
